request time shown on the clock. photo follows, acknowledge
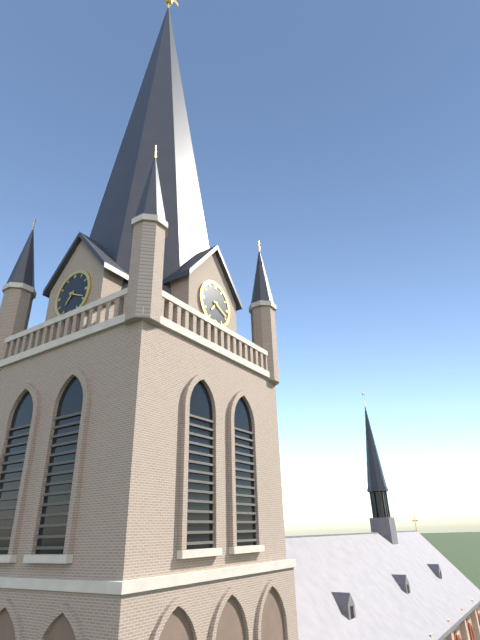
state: 7:19
